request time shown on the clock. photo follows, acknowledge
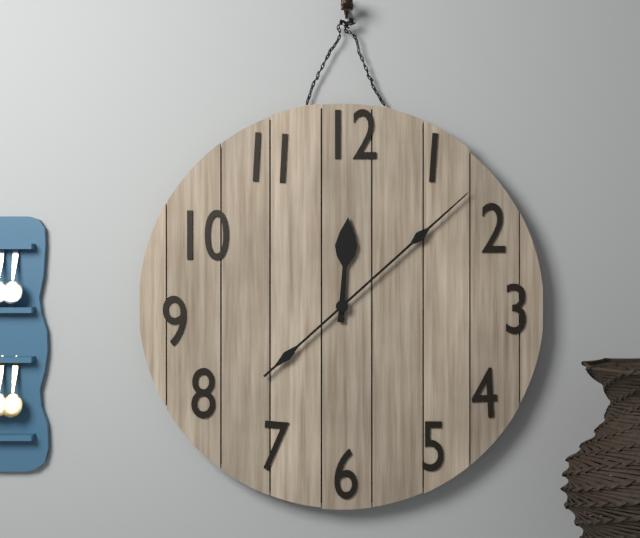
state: 12:08
